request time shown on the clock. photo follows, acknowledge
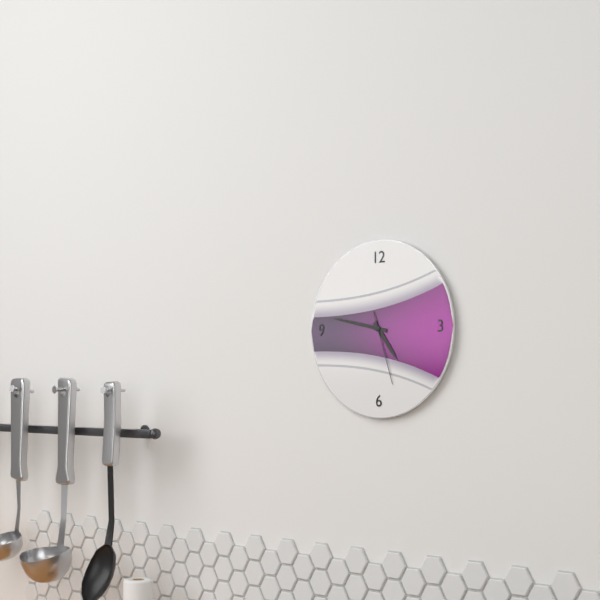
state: 4:47:27
